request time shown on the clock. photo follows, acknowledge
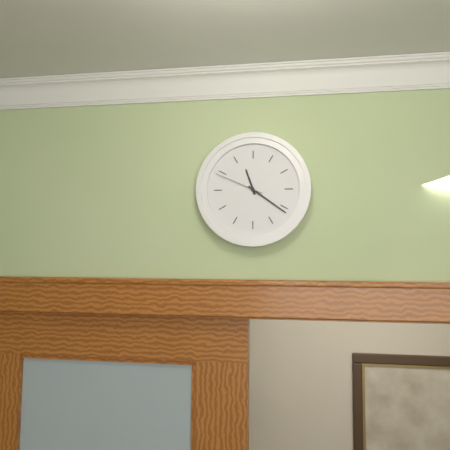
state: 11:21:49
